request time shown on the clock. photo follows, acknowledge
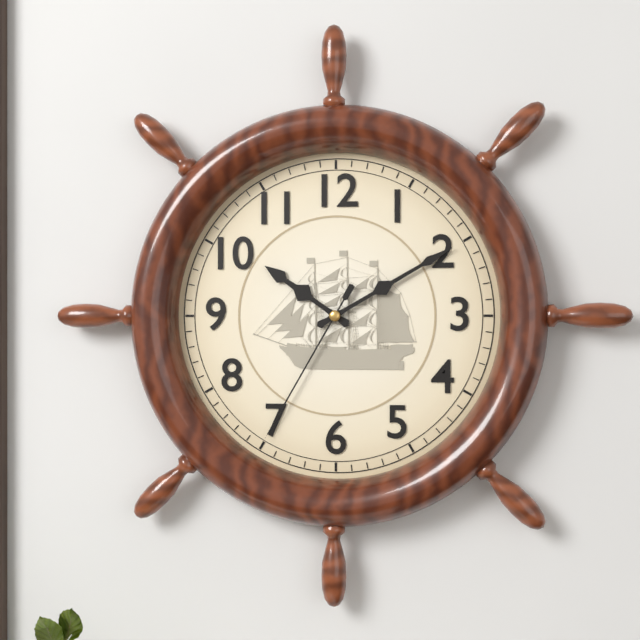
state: 10:10:35
